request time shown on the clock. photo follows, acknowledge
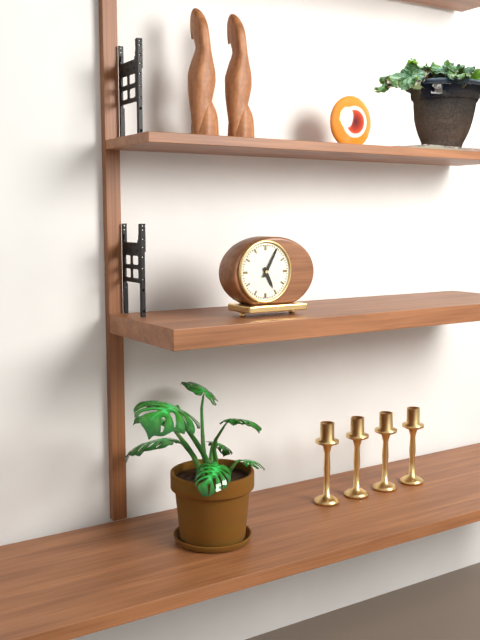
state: 5:05
